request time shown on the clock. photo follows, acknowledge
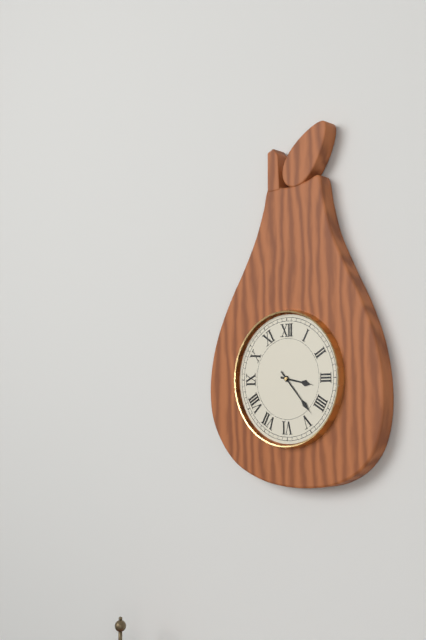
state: 3:23
